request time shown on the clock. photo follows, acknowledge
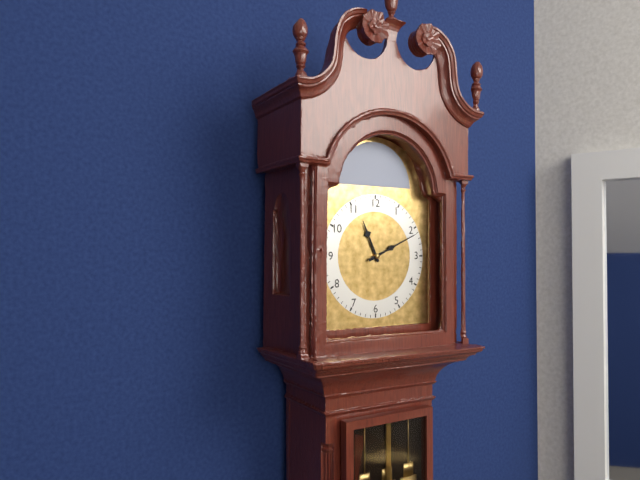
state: 11:11
